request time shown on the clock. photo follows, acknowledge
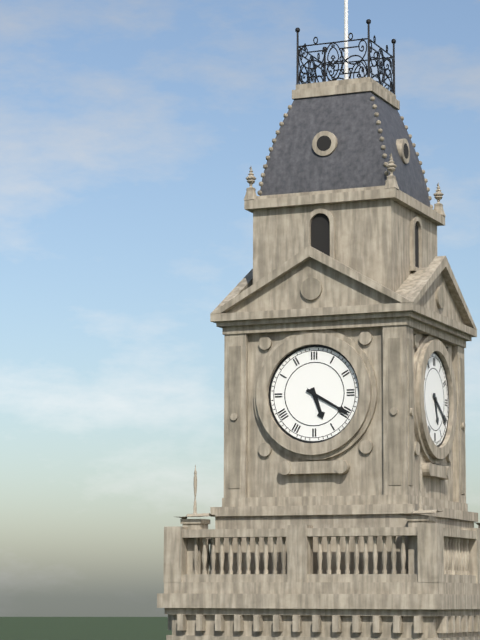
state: 5:20
